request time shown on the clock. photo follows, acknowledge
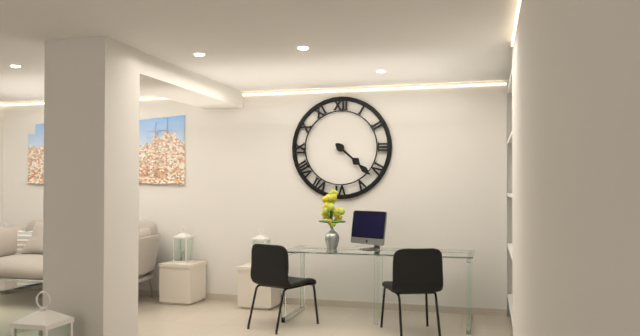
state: 4:22
